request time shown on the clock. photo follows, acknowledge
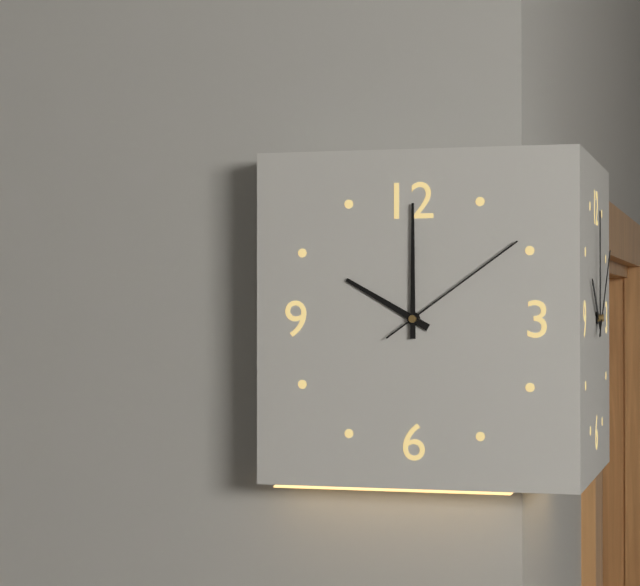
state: 10:00:09
